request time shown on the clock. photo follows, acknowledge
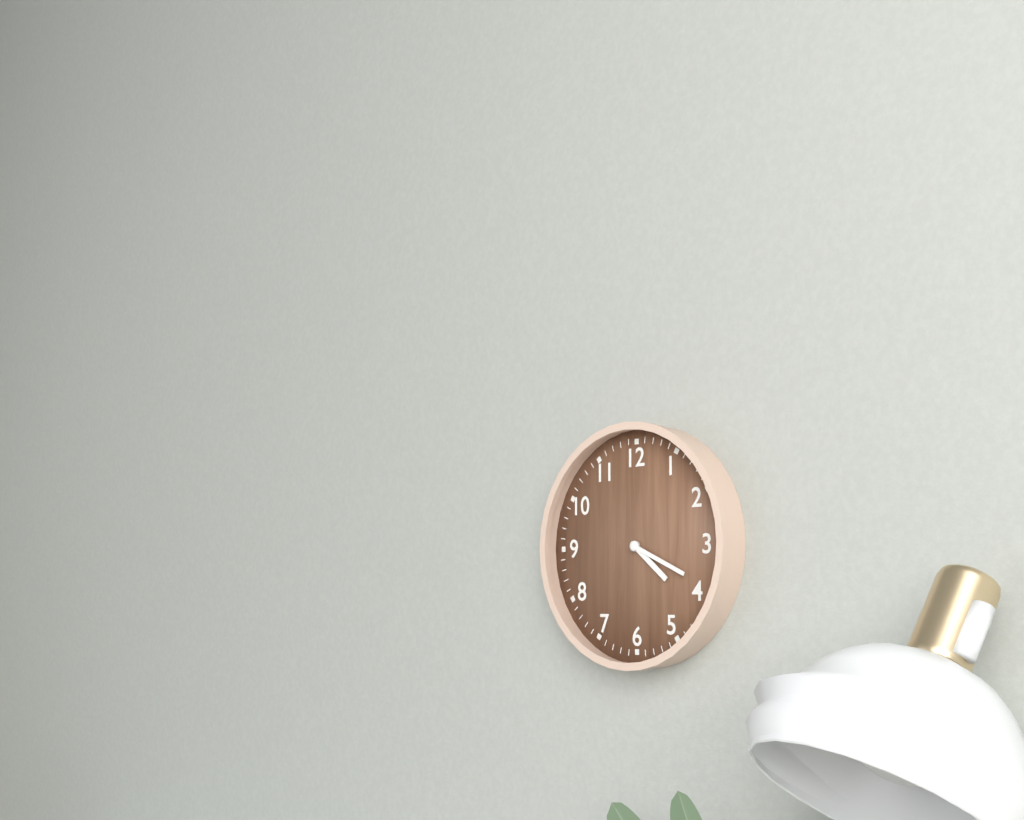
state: 4:19
